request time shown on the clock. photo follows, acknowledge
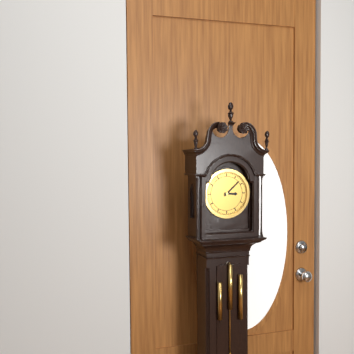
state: 3:08
